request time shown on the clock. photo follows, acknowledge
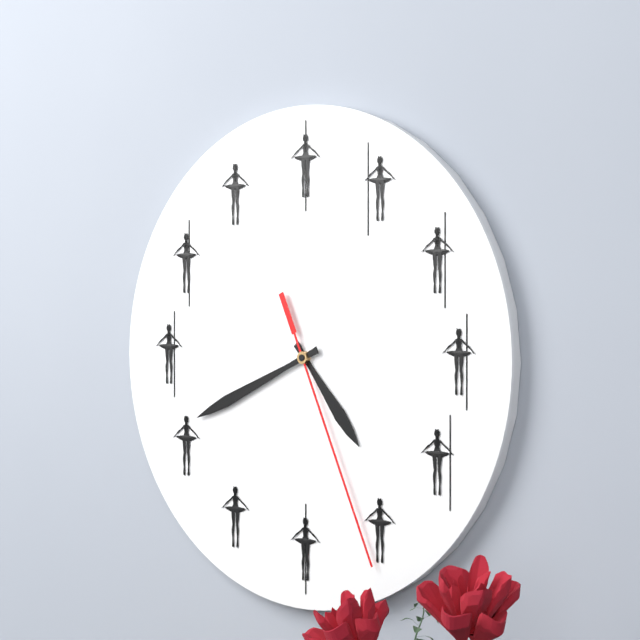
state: 4:41:26
